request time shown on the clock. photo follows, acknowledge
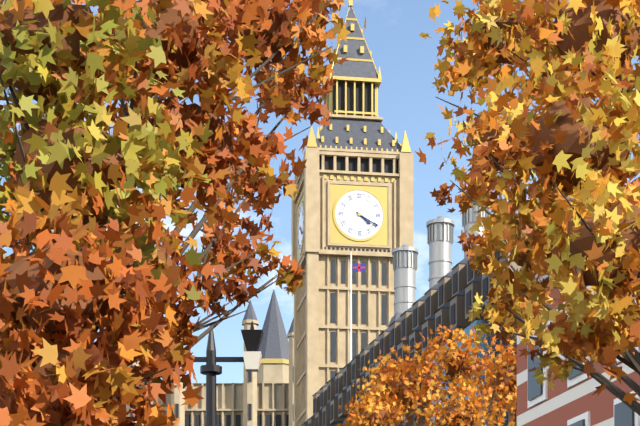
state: 4:20
